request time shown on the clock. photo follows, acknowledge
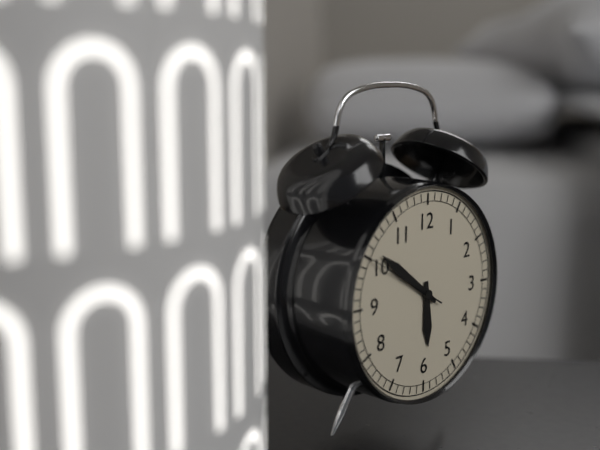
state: 5:51:50
